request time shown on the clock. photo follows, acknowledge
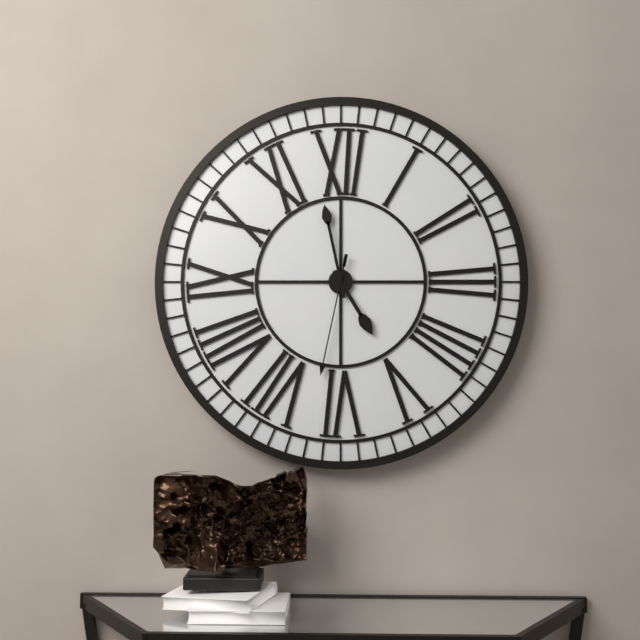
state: 4:58:32
